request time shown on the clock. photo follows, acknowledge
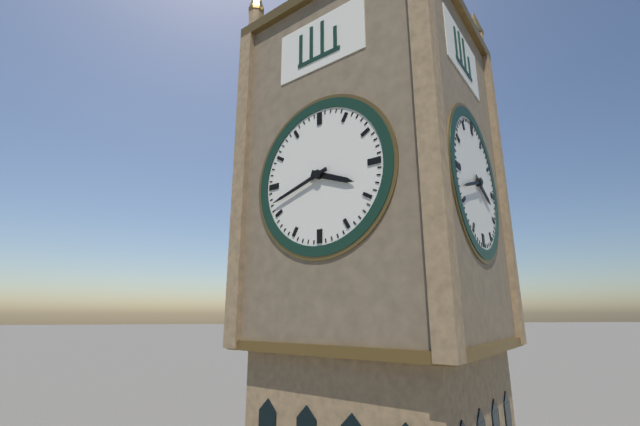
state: 3:42
